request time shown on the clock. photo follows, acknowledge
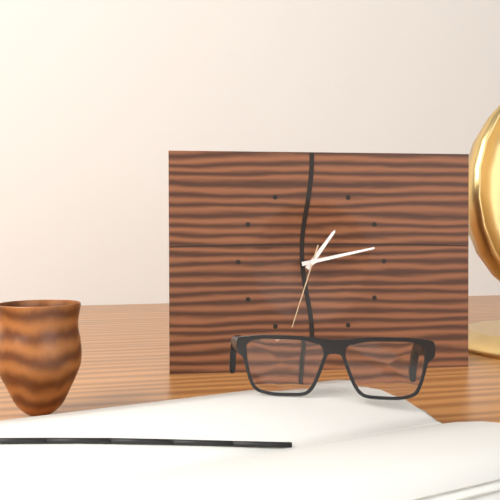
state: 1:13:33
